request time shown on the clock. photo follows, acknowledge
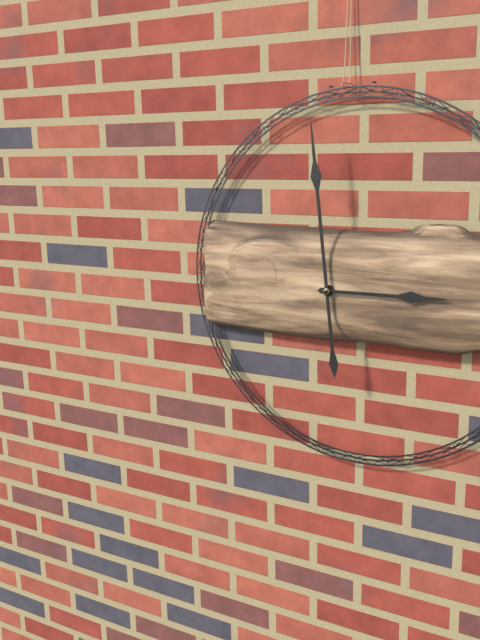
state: 2:59
